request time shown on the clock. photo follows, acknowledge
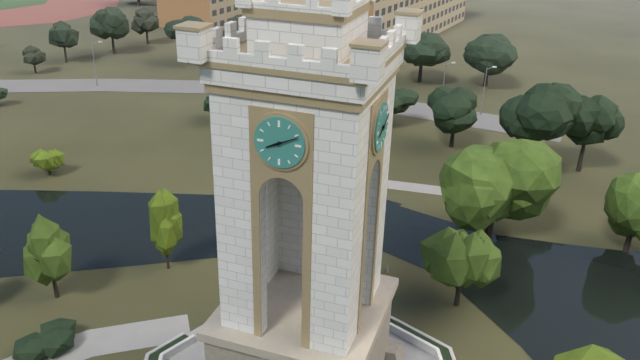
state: 8:11
